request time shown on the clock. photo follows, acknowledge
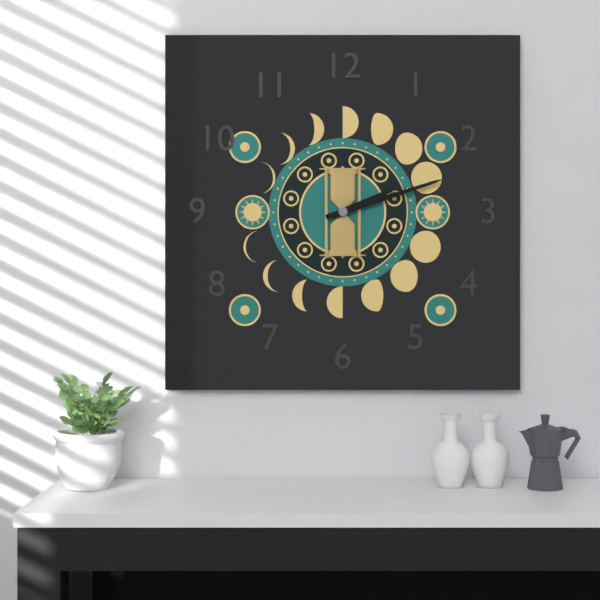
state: 2:12
